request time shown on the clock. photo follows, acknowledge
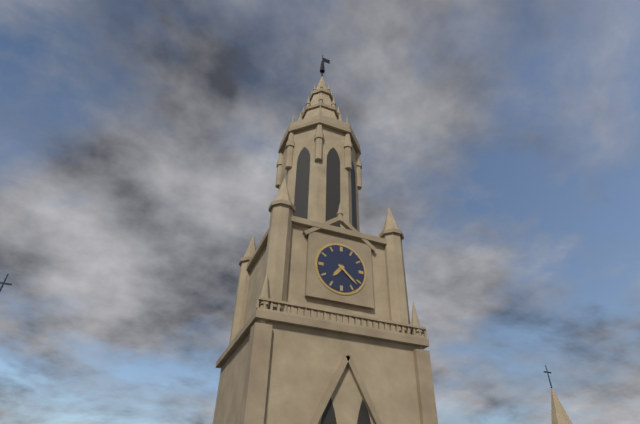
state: 7:22
